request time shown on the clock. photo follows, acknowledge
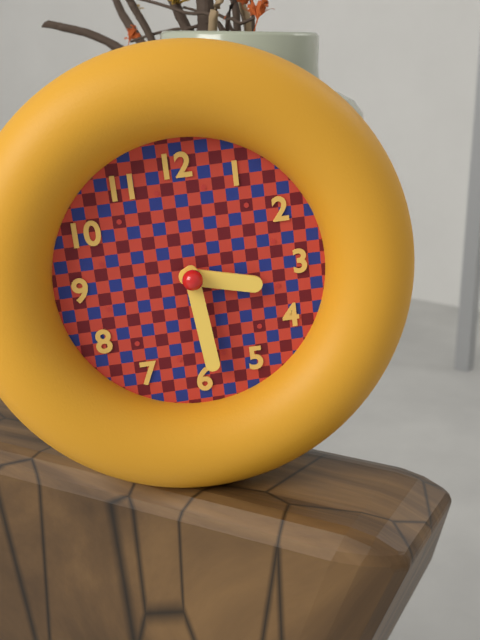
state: 3:29
